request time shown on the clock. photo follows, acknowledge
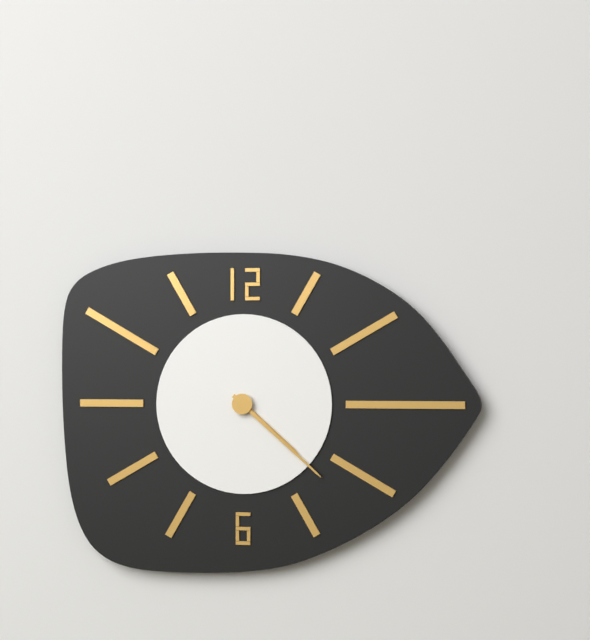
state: 4:22
